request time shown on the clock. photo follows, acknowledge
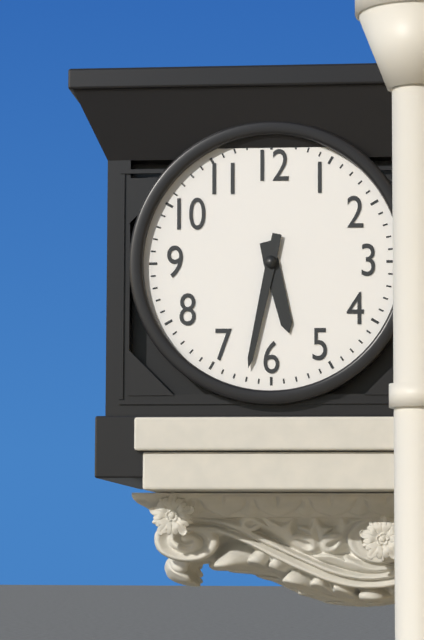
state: 5:32
